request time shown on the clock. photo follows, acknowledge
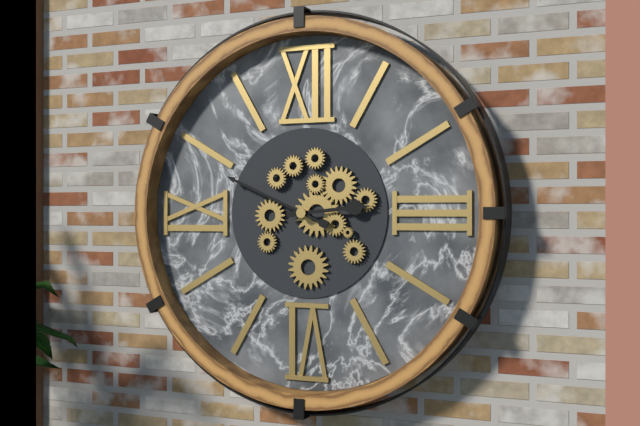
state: 2:49
